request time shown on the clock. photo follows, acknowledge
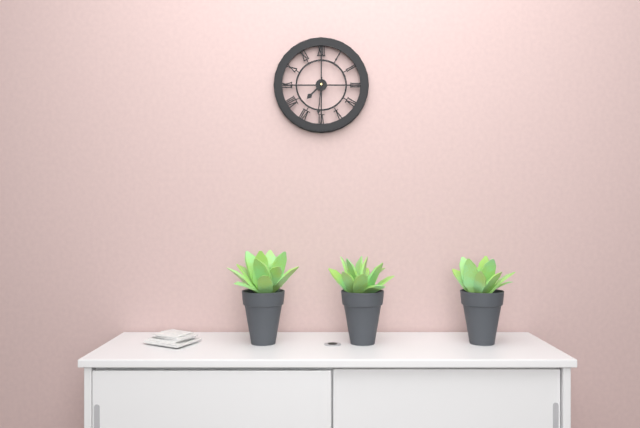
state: 7:31
